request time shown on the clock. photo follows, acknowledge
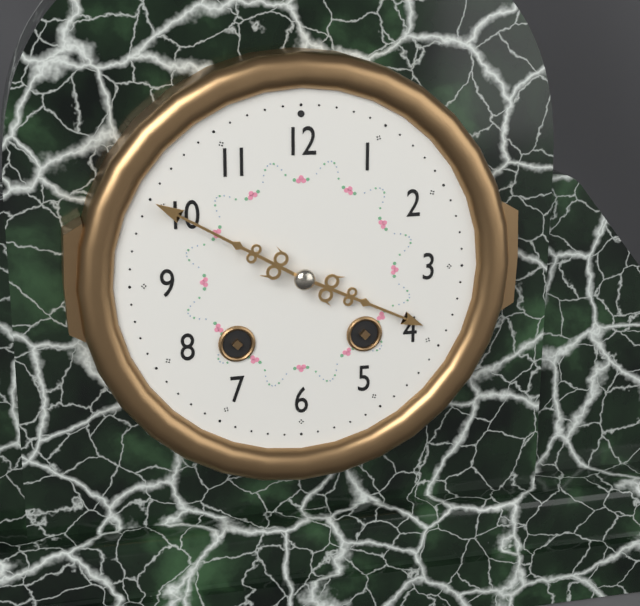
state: 3:50
